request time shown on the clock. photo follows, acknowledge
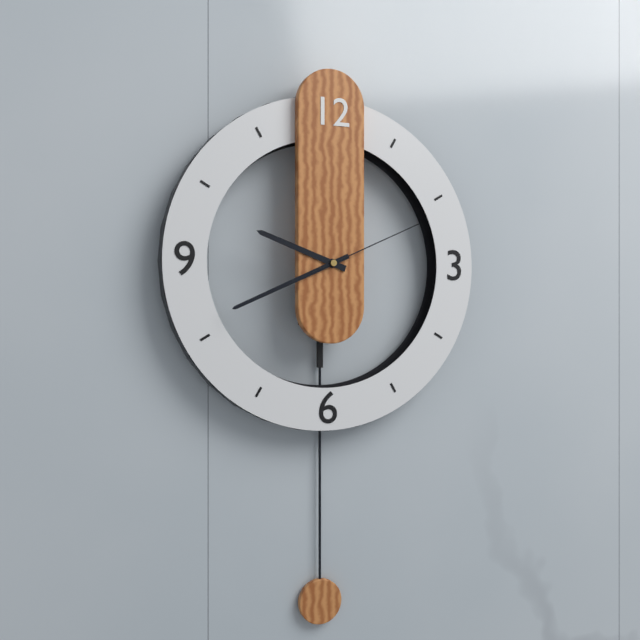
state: 9:41:11
